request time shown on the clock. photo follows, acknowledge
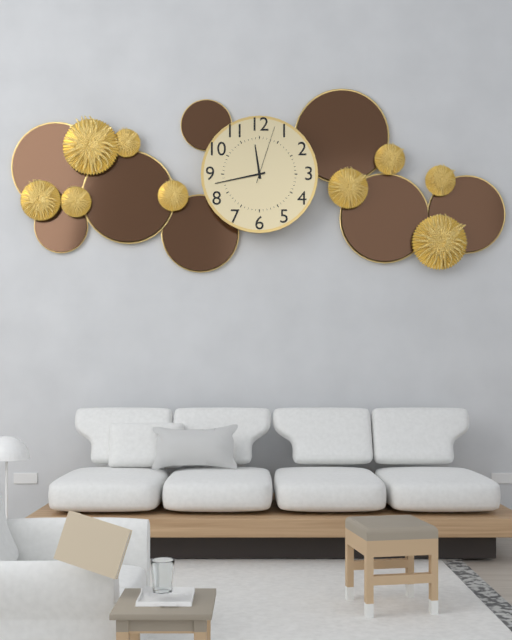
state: 11:43:03
